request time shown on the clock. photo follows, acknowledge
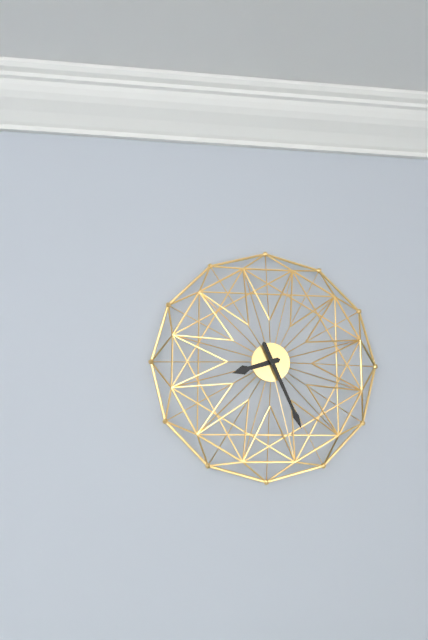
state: 8:26
